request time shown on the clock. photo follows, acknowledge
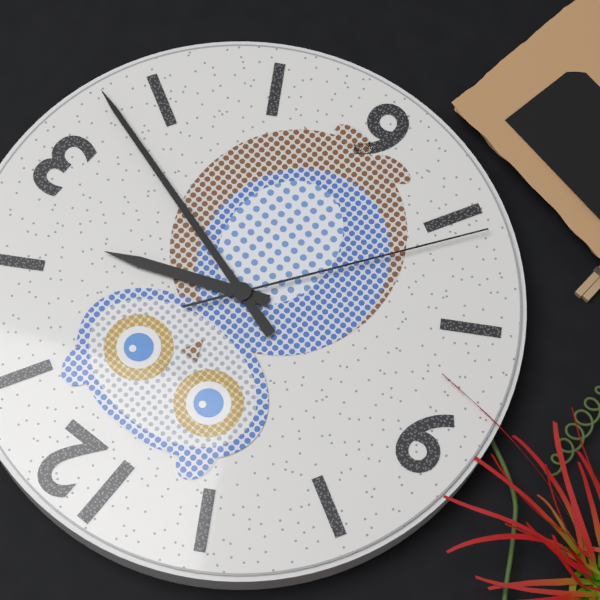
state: 2:18:36
